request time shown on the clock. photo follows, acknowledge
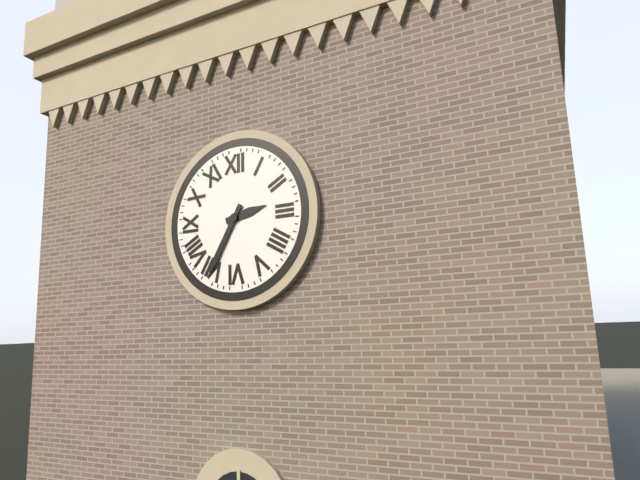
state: 2:35
